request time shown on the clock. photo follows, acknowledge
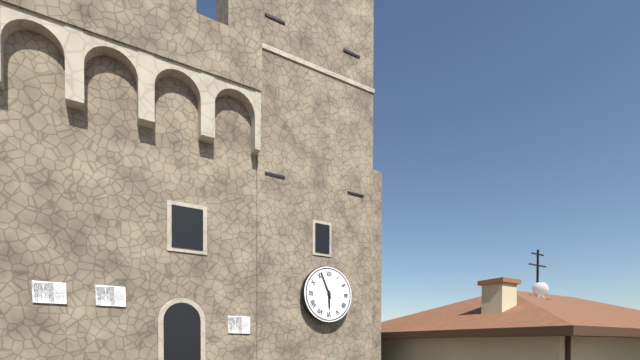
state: 5:56
